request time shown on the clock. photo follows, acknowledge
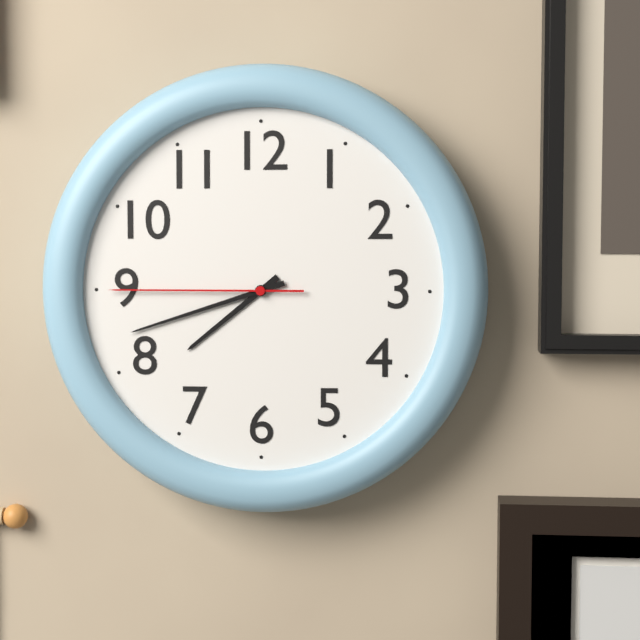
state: 7:42:45
